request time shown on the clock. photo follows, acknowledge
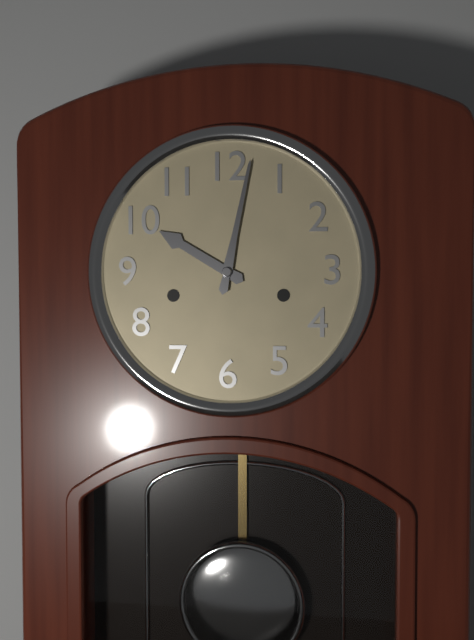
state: 10:02
